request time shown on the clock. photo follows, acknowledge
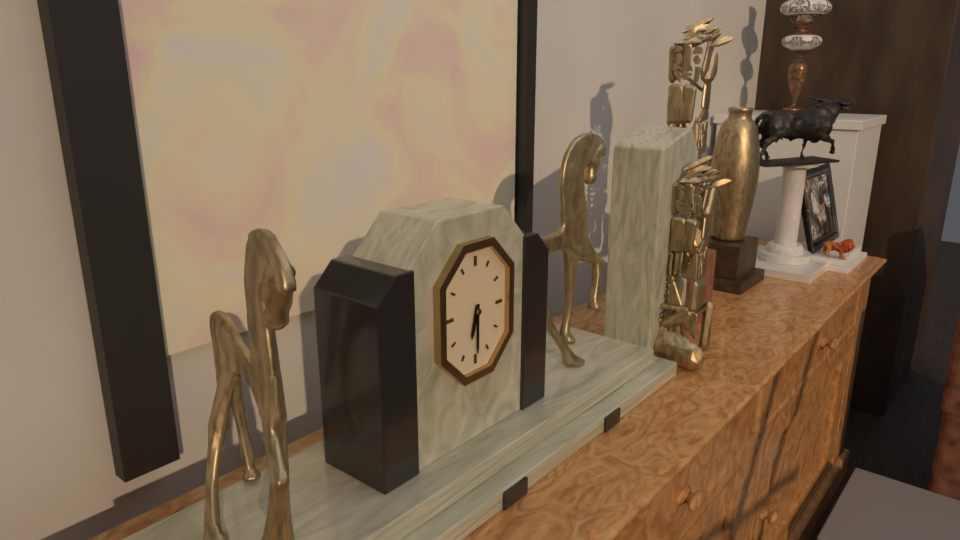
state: 6:30
